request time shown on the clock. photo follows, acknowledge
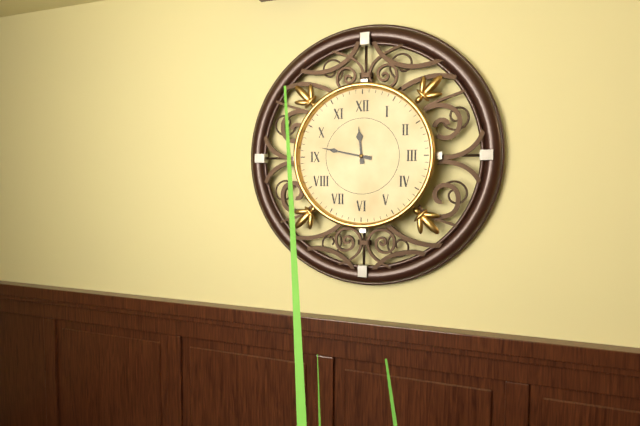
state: 11:47
